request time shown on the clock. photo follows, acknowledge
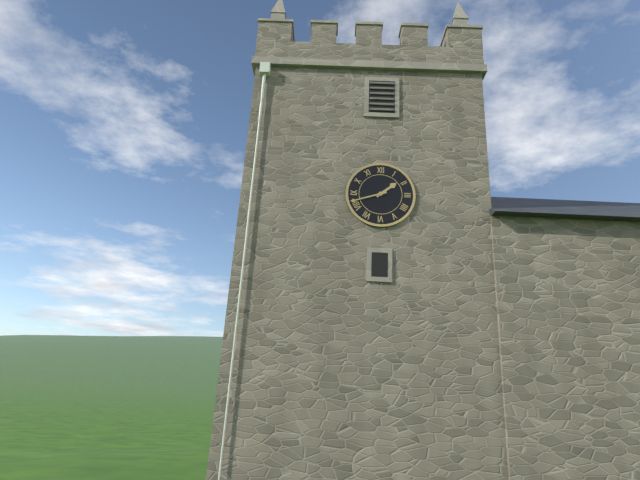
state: 1:42
